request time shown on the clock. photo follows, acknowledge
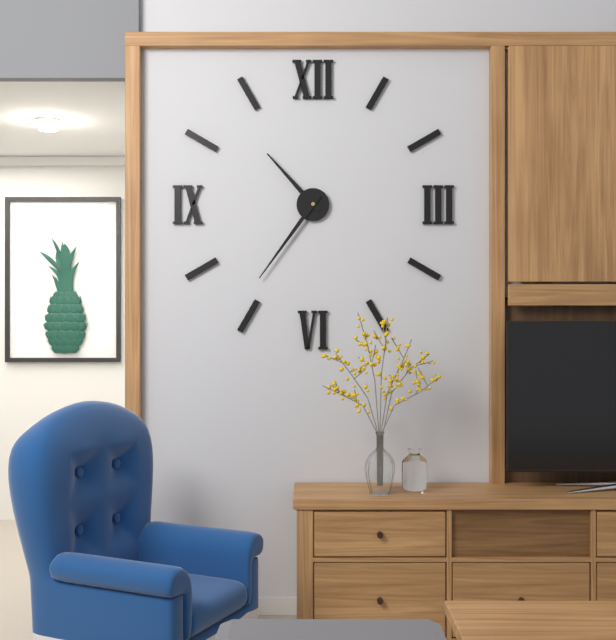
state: 10:36
